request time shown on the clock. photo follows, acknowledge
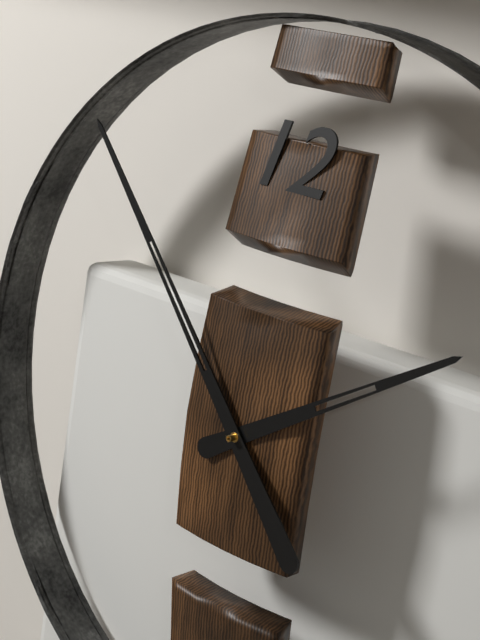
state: 1:53
